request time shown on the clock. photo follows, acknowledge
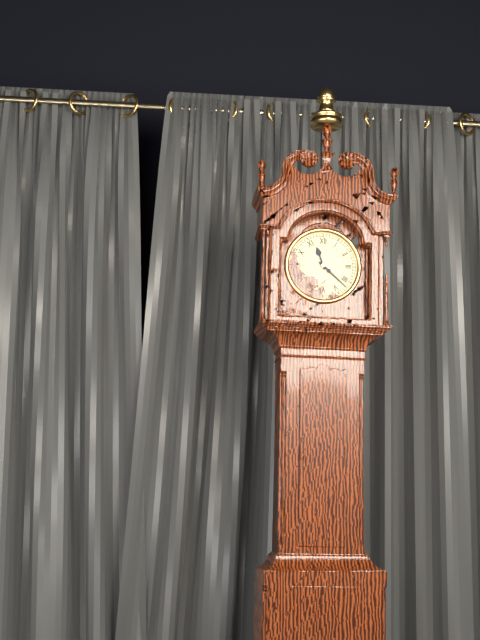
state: 11:22
